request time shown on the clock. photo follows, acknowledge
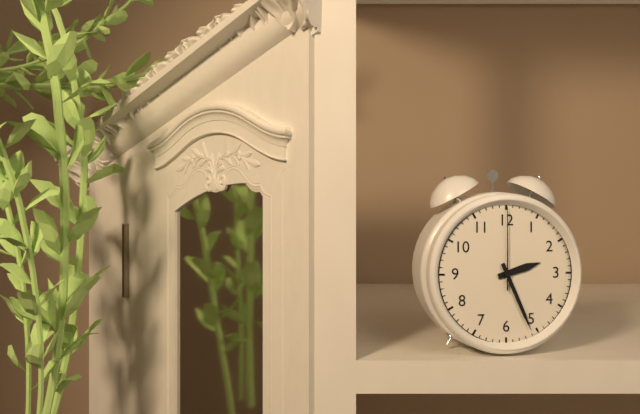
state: 2:26:00
